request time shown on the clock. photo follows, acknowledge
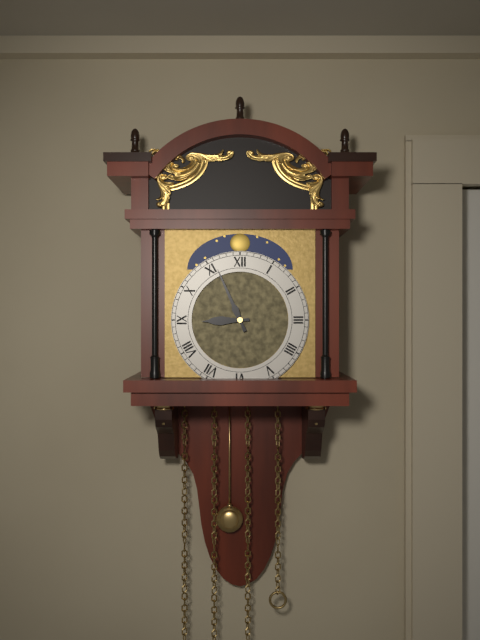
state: 8:56
